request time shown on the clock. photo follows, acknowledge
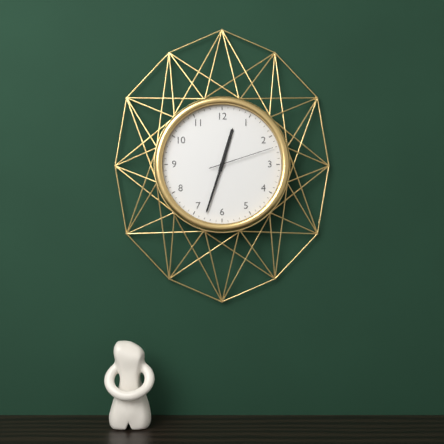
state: 12:33:12
